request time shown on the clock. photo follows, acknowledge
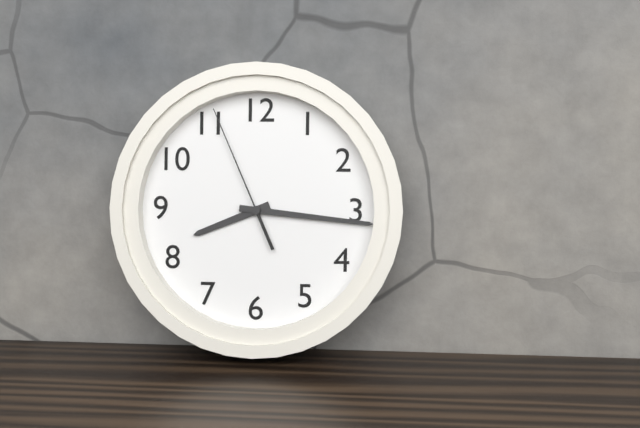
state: 8:16:56
